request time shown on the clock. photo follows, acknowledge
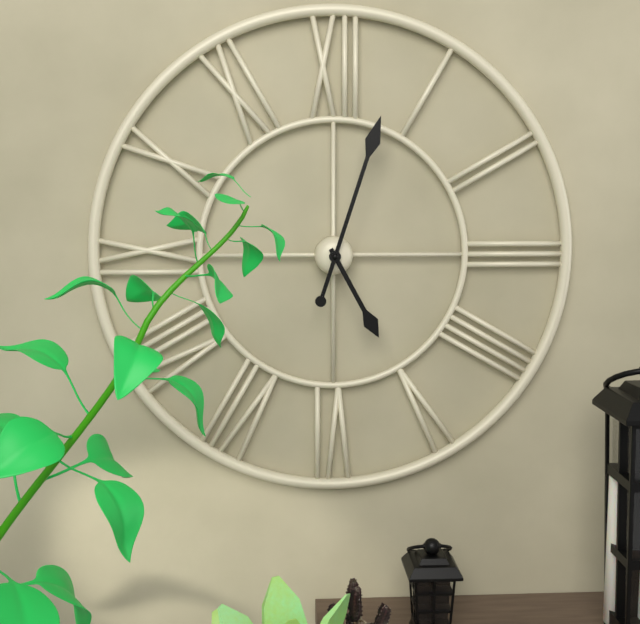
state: 5:03
